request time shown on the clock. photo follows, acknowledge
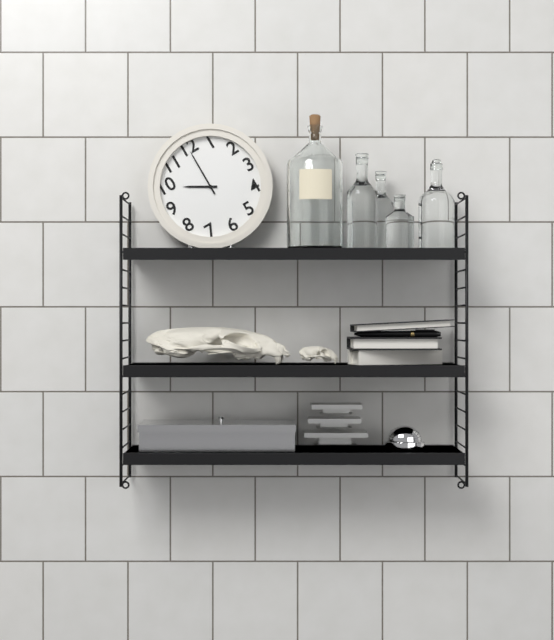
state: 10:00
